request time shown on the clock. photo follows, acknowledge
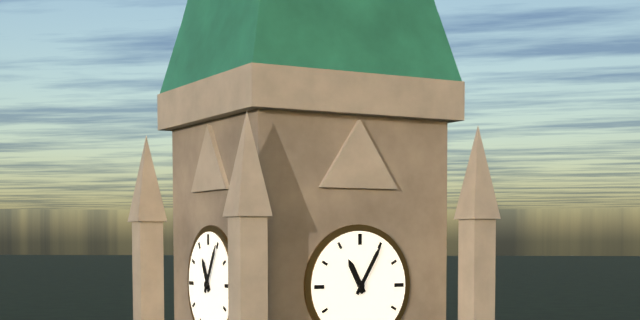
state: 11:05
